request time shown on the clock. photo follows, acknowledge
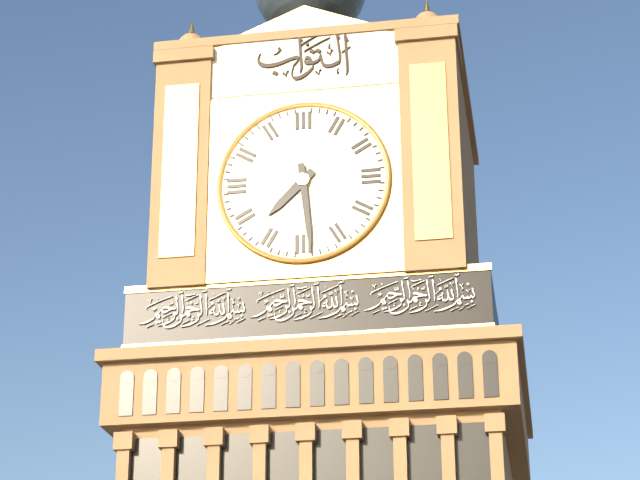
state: 7:29
